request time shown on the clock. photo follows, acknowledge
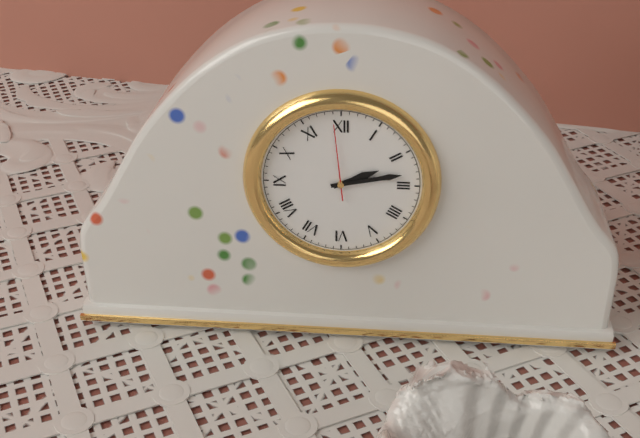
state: 2:13:59
